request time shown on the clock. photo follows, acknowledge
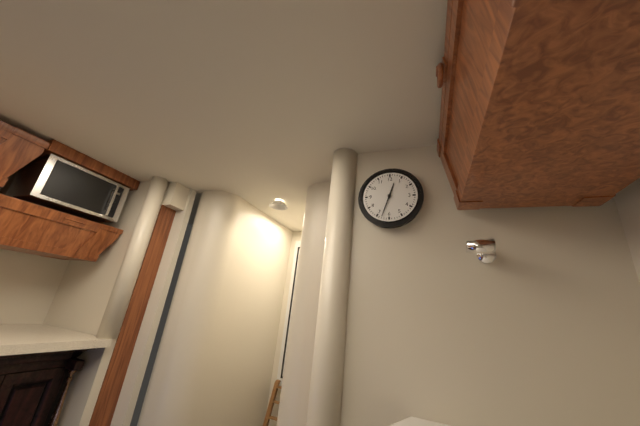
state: 12:33
